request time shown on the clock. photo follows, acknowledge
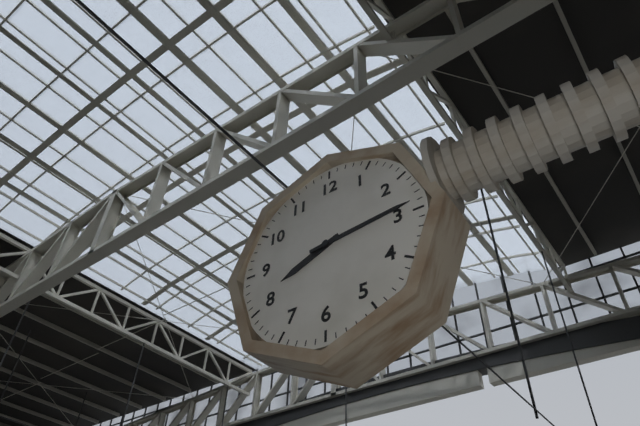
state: 8:14
